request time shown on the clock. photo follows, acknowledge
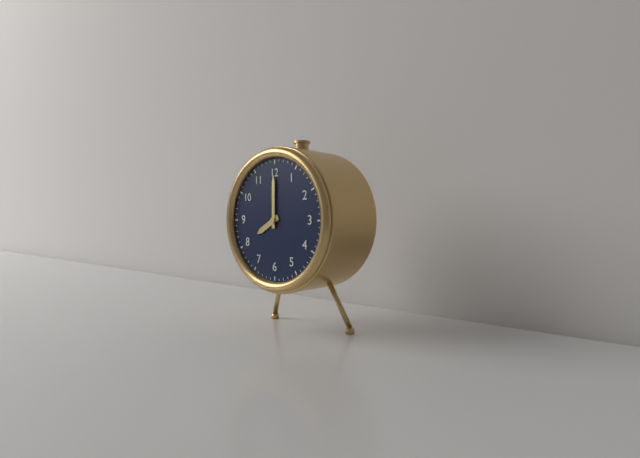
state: 8:00
